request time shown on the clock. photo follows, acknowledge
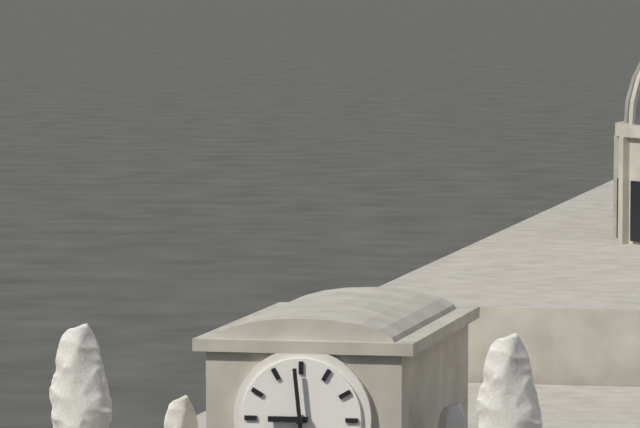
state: 8:59
